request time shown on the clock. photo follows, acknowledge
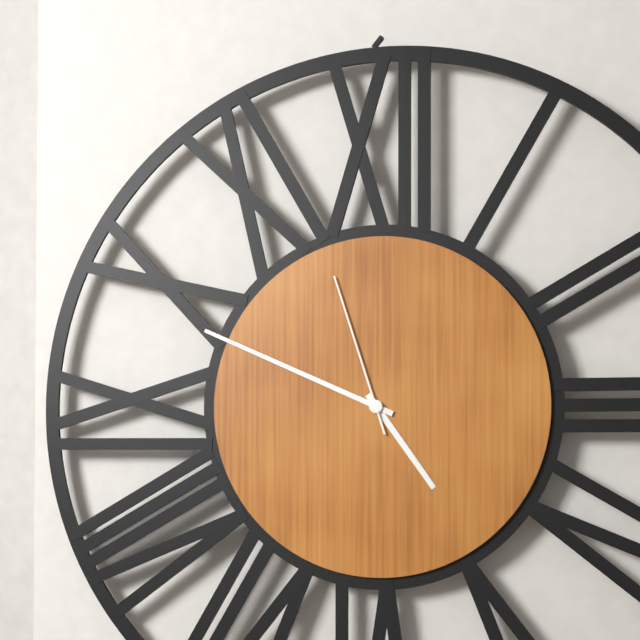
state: 4:49:57
